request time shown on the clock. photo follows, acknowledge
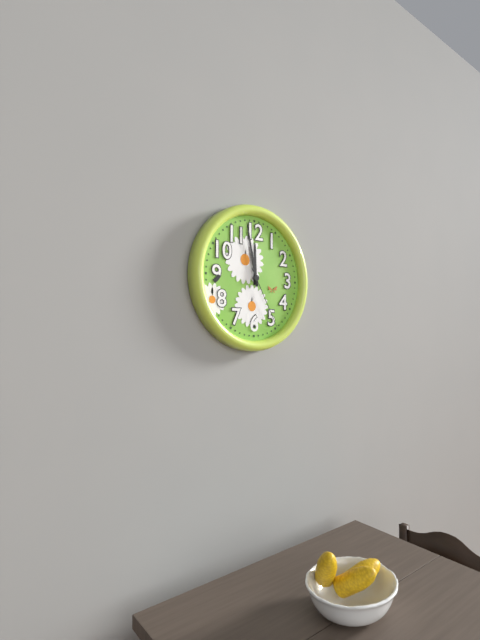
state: 11:58:25
